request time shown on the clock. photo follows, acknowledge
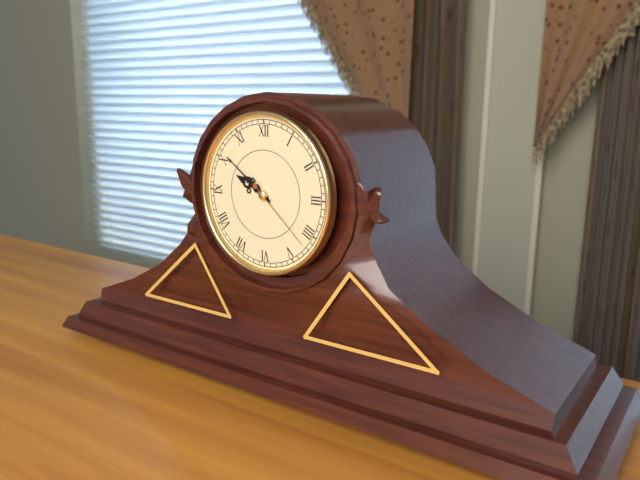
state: 9:51:22
